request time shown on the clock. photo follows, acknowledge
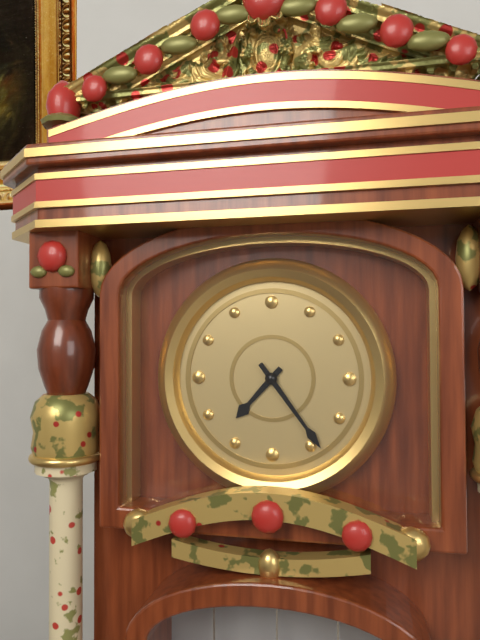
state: 7:24
